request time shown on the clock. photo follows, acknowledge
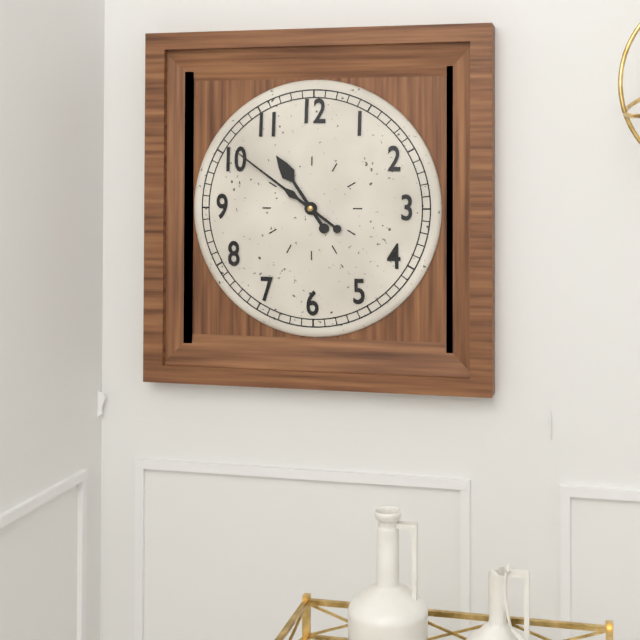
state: 10:51
